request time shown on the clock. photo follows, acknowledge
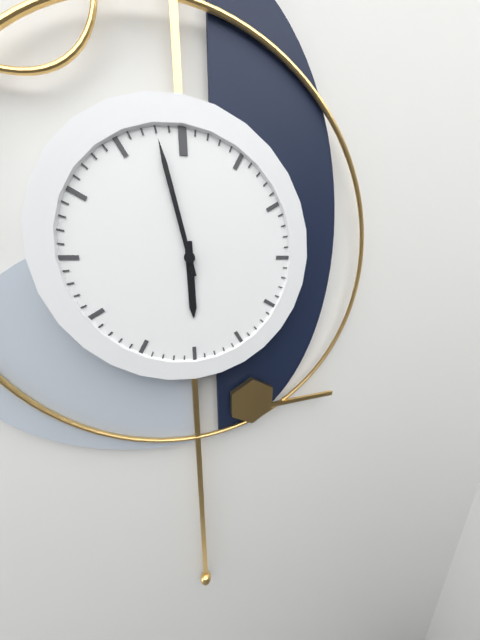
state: 5:58
